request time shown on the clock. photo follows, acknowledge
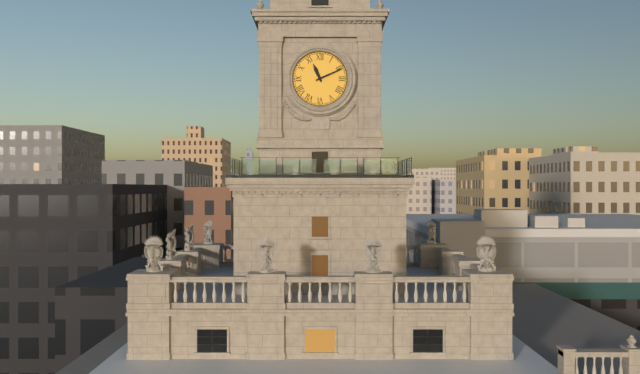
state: 11:11
